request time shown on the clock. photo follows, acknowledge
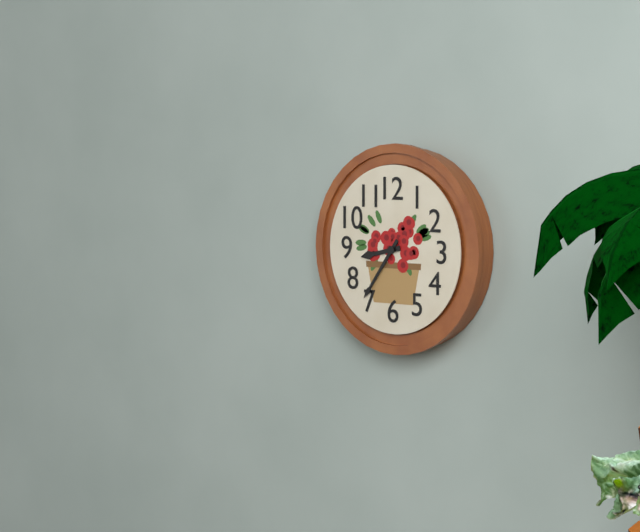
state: 8:36
